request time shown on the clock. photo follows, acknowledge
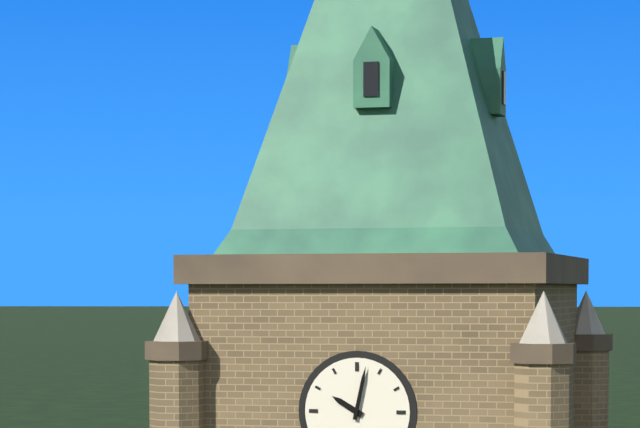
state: 10:02
